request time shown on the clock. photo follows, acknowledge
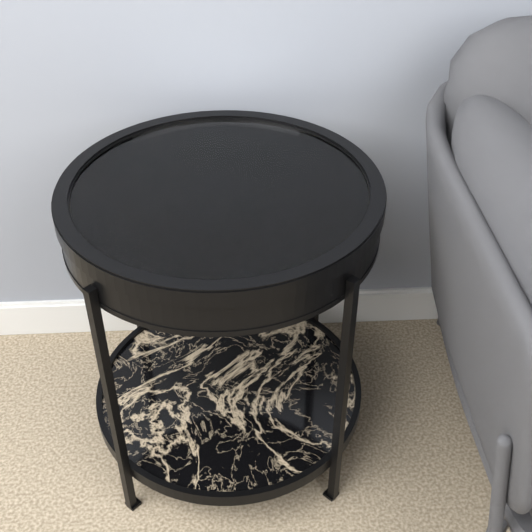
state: 6:10
